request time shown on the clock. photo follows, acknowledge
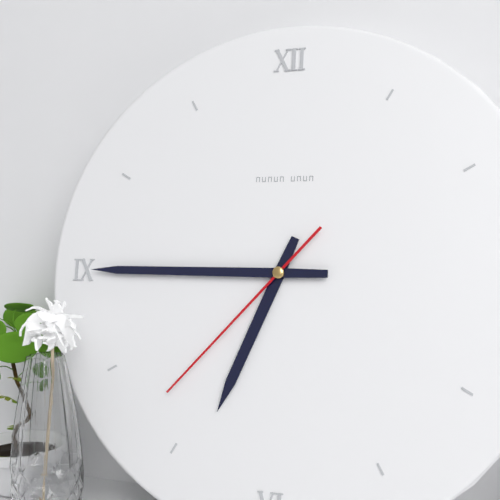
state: 6:45:37
